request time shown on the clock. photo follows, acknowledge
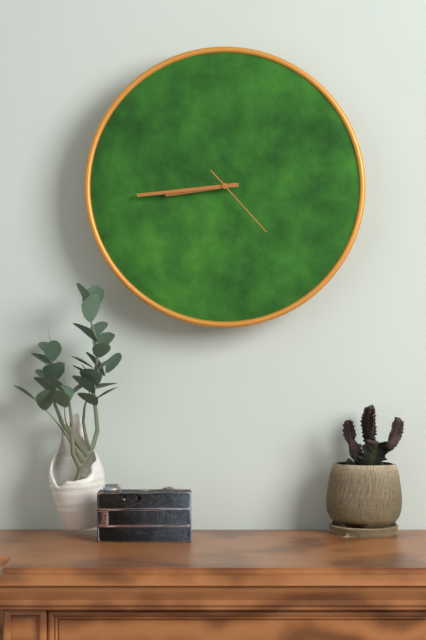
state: 8:44:23
